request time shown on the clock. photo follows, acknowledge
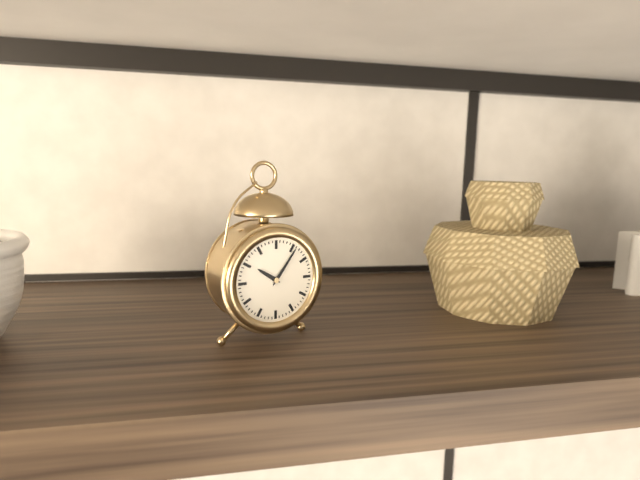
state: 10:06
